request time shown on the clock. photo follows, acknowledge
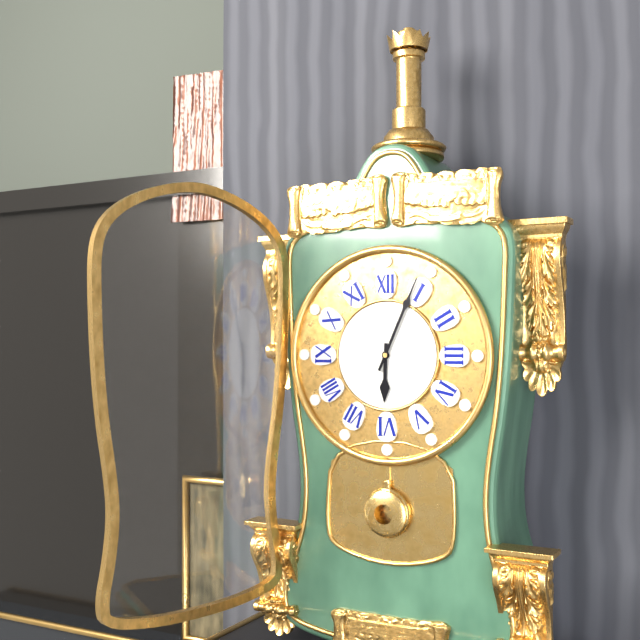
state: 6:04
